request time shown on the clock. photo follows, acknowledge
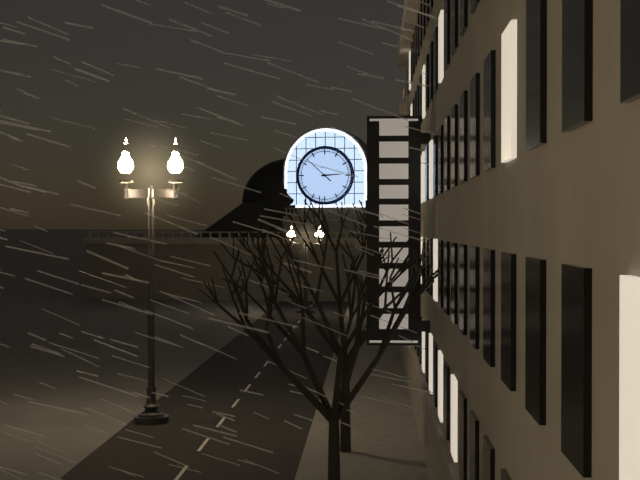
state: 2:52
